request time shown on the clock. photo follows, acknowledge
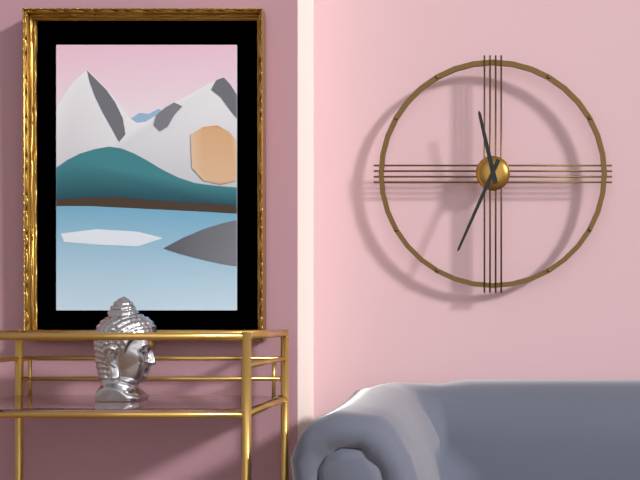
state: 11:34
